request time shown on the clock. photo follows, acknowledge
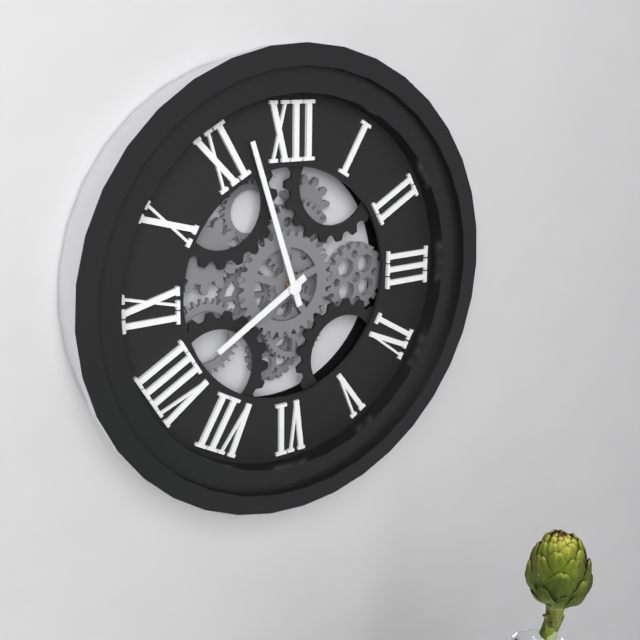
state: 7:57
